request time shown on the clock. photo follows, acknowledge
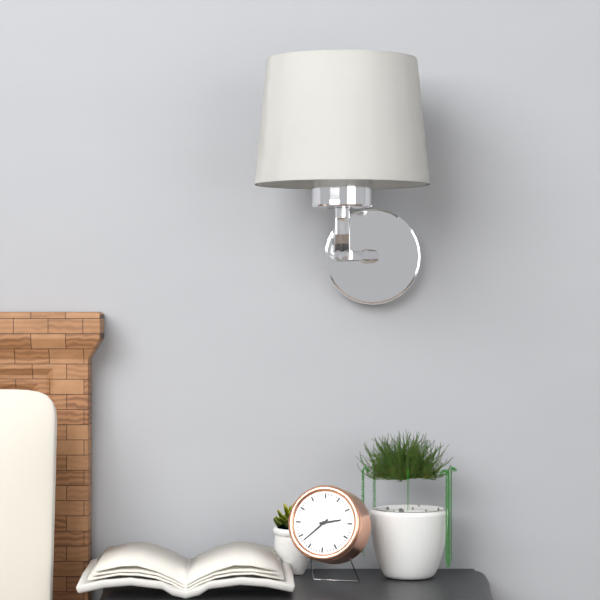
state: 2:38
